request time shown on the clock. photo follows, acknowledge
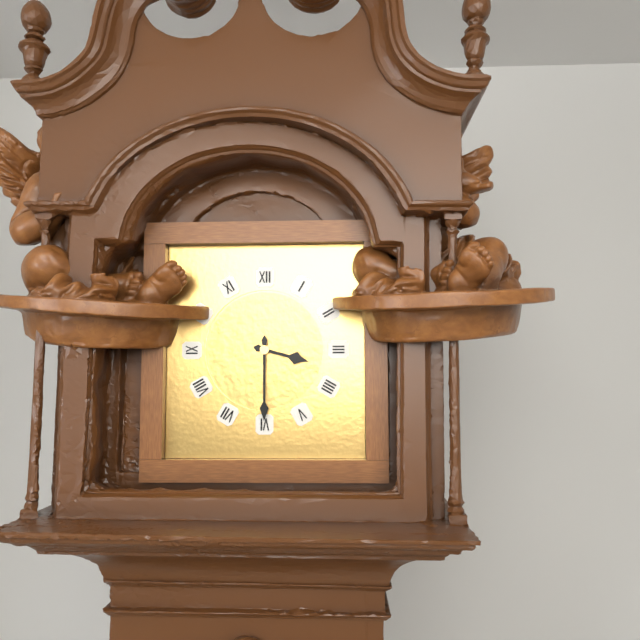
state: 3:30
